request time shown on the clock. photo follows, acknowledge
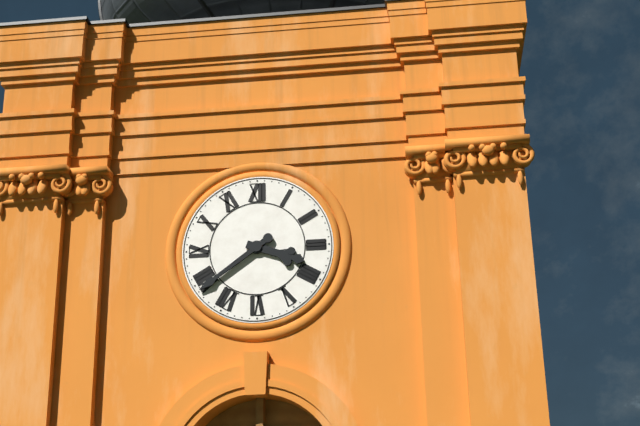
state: 3:39
